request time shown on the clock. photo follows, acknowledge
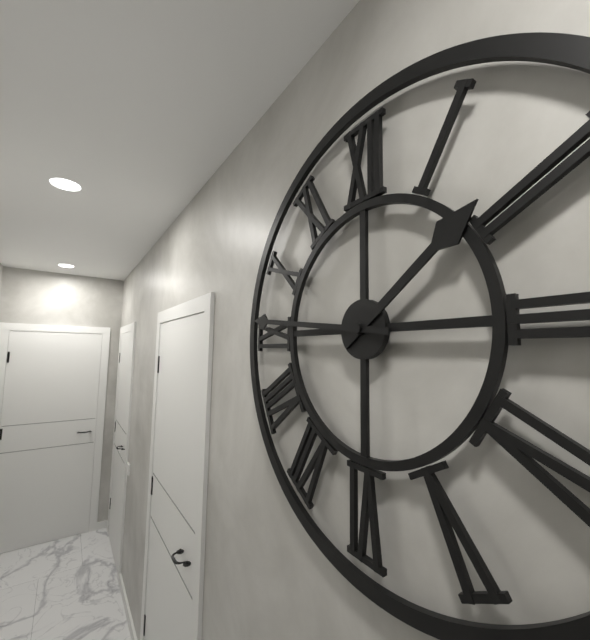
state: 1:46
